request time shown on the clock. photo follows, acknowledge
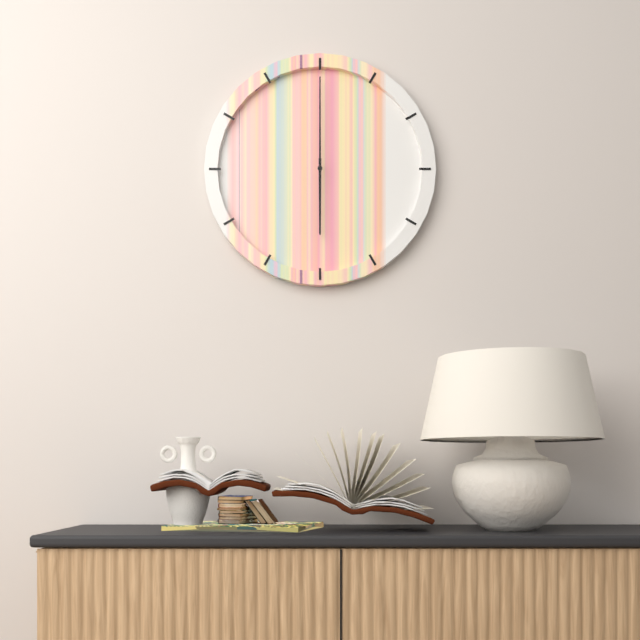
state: 6:00
